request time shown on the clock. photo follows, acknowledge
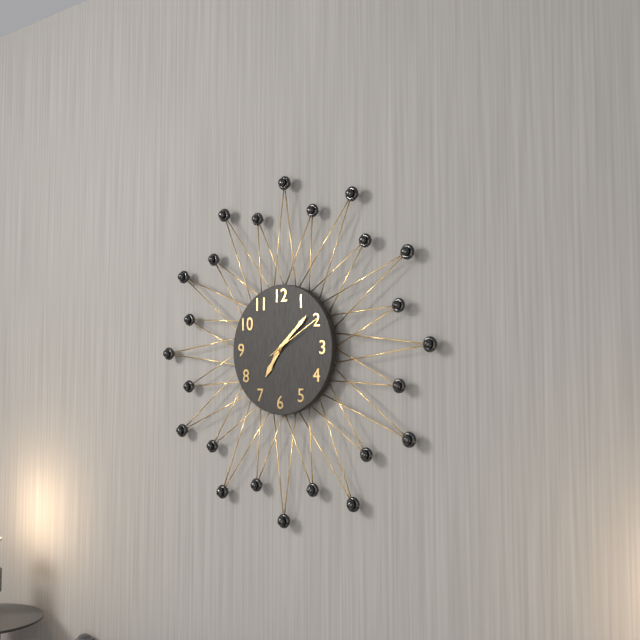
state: 7:08:10
